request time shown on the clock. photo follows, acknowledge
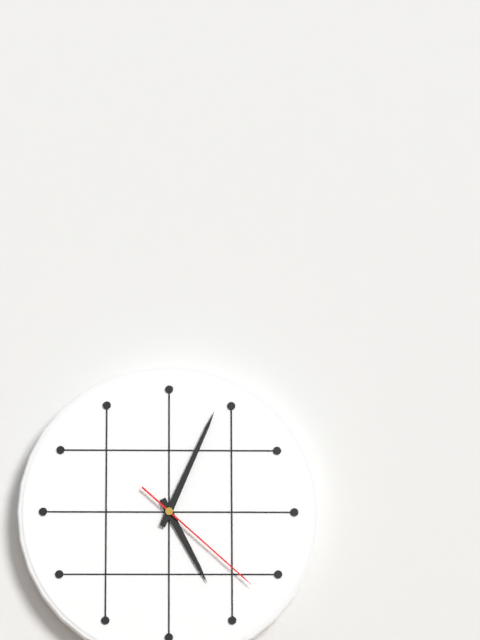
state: 5:04:22
